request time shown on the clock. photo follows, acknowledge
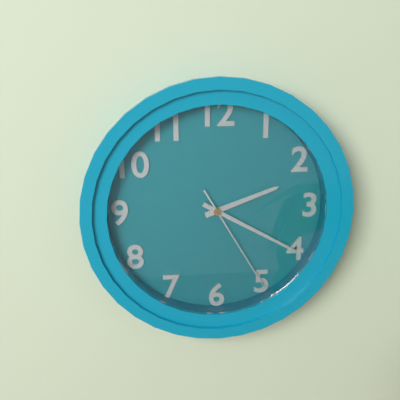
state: 2:20:25
